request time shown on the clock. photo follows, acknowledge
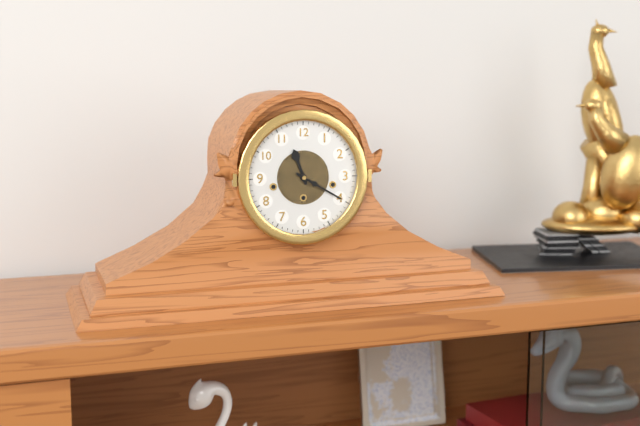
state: 11:20
